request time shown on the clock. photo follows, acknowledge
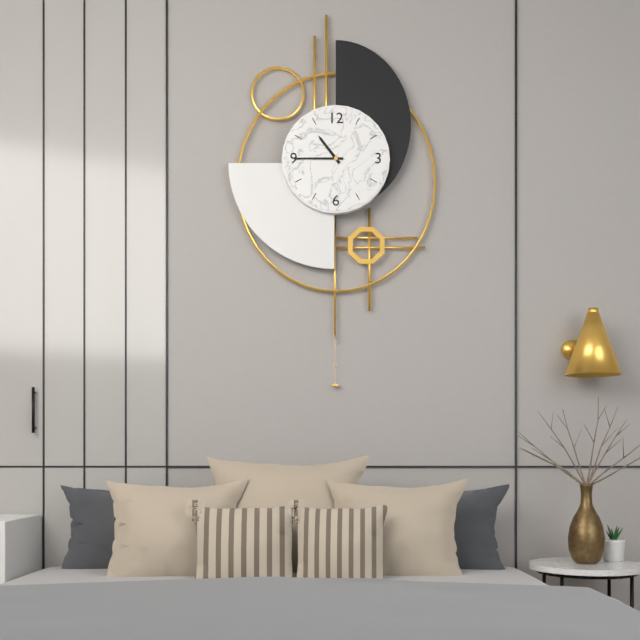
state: 10:45
